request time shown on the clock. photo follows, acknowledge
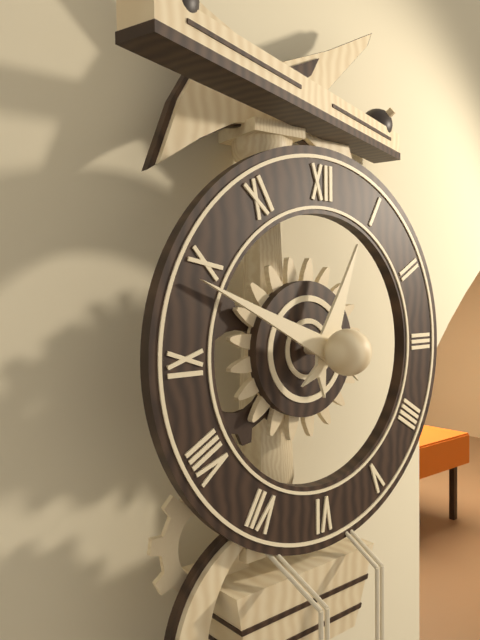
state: 12:49
